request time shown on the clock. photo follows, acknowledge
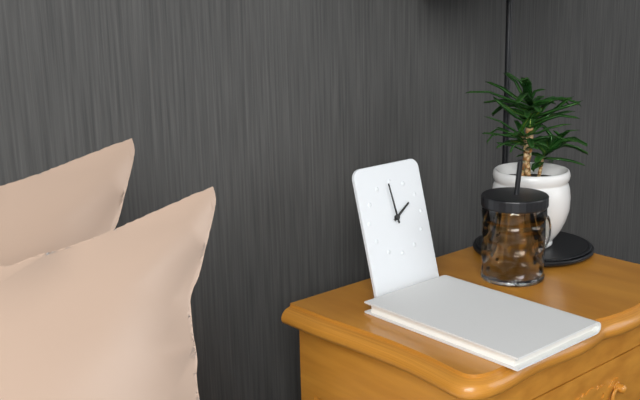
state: 1:59
